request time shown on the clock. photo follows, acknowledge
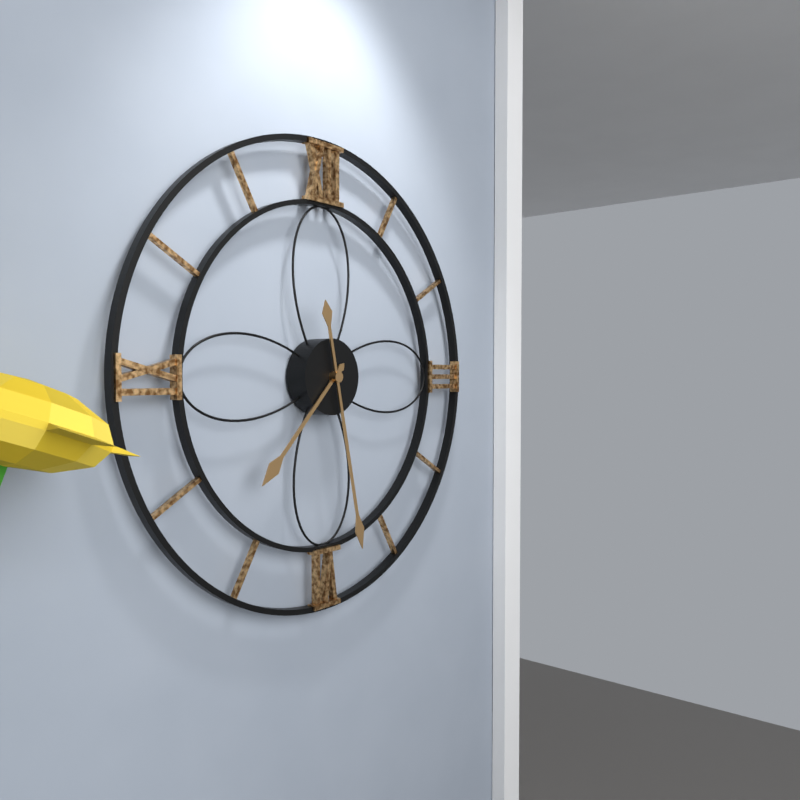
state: 7:28
